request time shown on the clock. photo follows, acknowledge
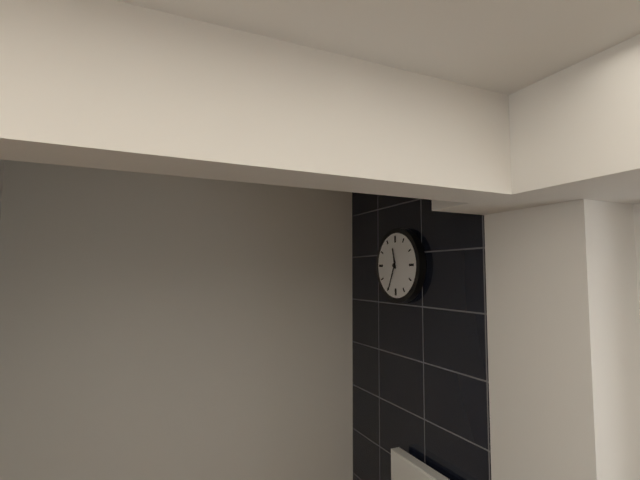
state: 11:34
